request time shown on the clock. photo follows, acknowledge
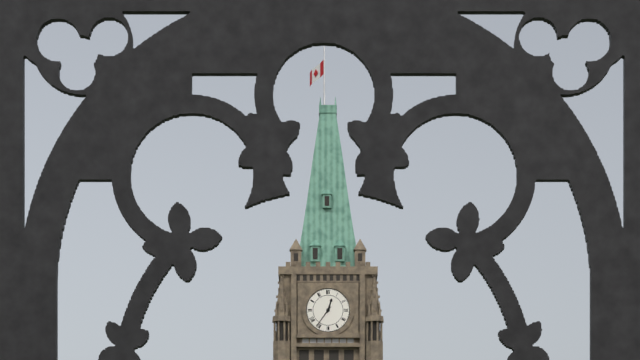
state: 12:36
